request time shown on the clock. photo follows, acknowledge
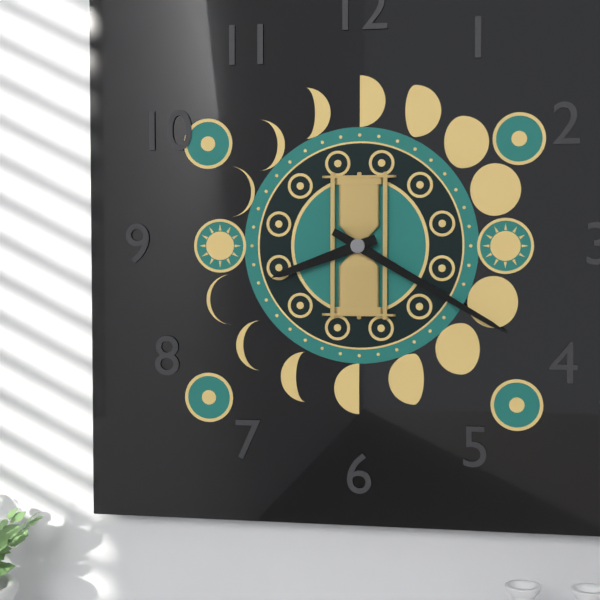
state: 8:20
